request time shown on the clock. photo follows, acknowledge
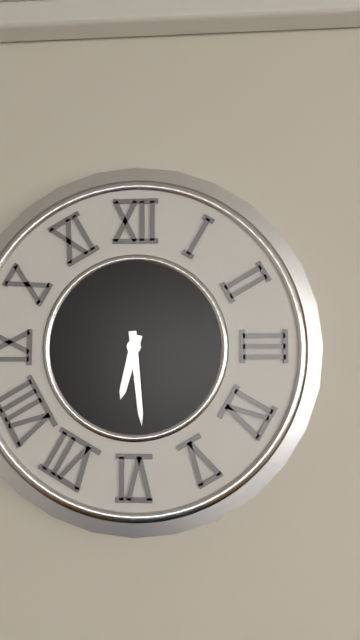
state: 6:29
